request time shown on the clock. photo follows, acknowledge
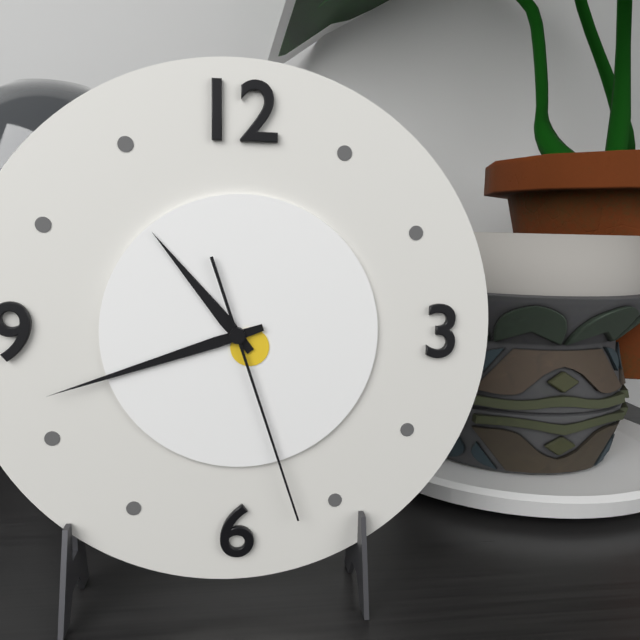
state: 10:42:27
